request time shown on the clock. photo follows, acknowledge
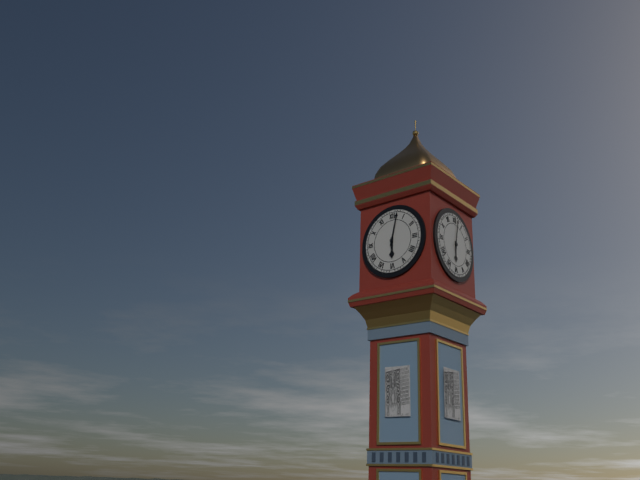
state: 6:02
